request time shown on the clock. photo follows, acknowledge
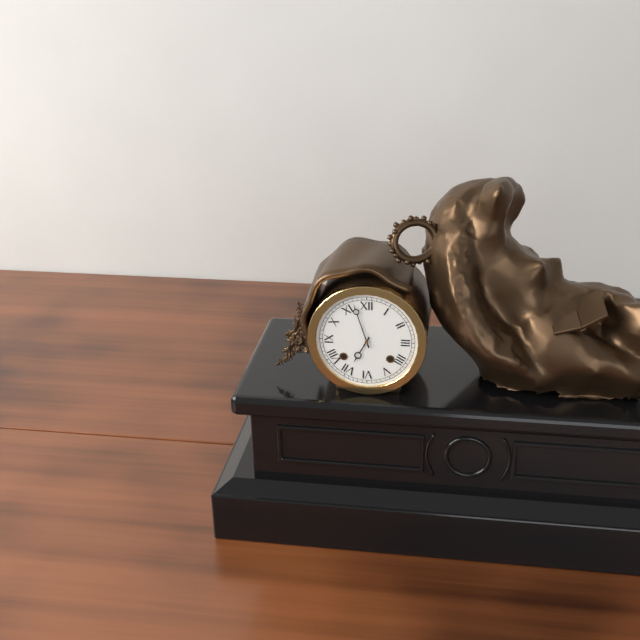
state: 6:57
